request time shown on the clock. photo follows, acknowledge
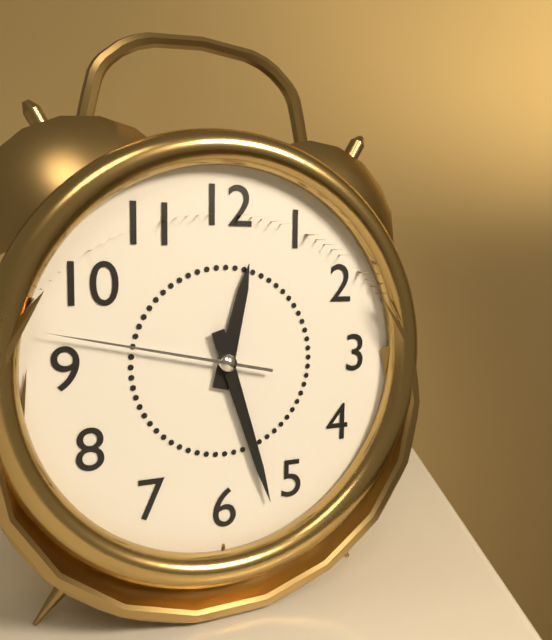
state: 12:27:47
